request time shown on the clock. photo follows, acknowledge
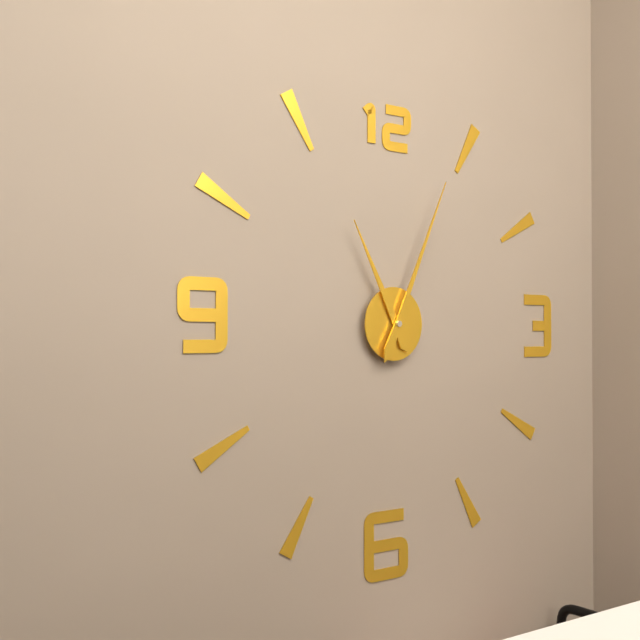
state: 11:04
